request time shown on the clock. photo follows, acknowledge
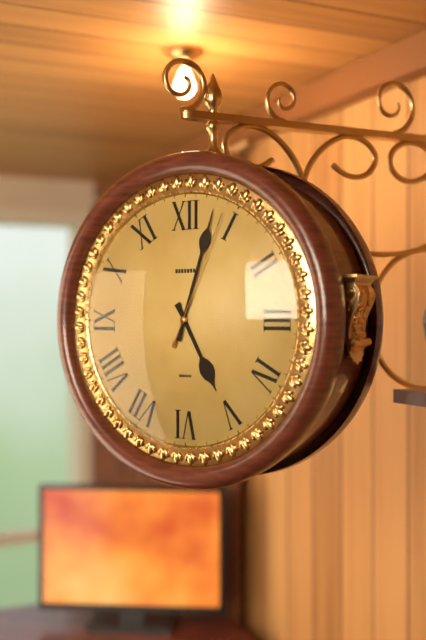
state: 5:03:04
